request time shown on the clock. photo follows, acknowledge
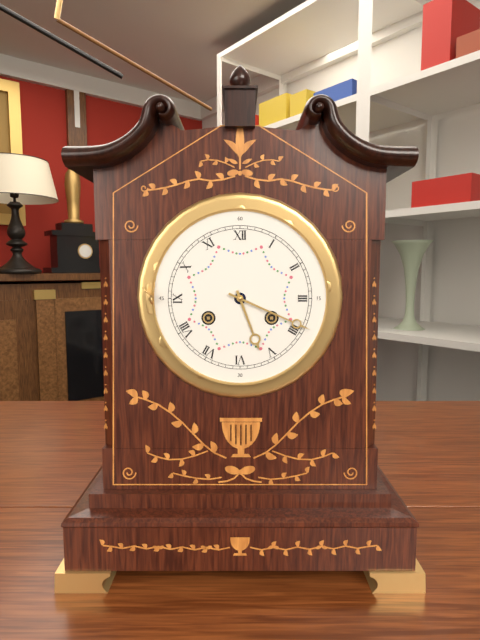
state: 5:19
